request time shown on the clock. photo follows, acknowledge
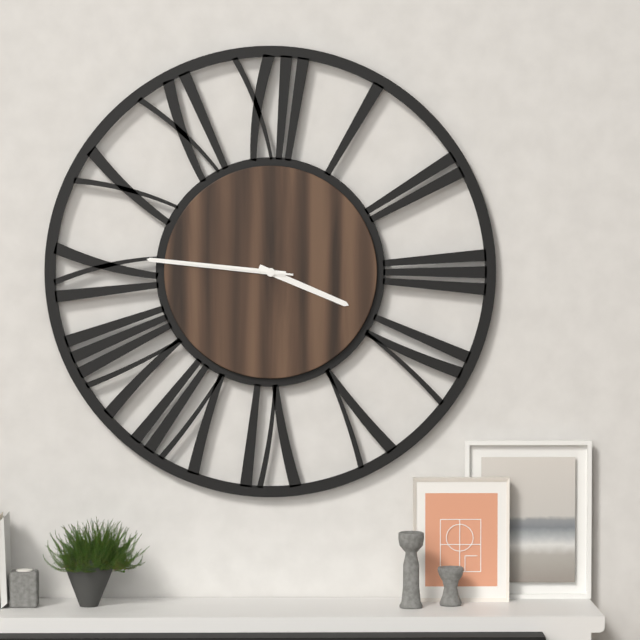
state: 3:46:46
